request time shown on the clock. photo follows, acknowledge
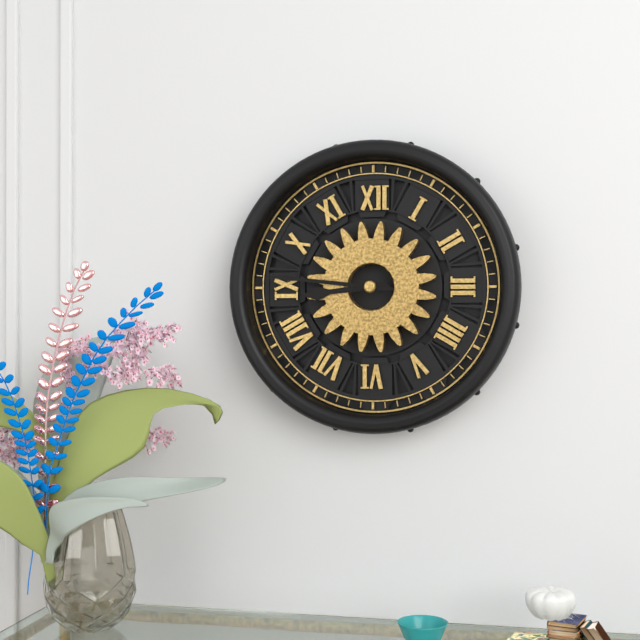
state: 8:46
